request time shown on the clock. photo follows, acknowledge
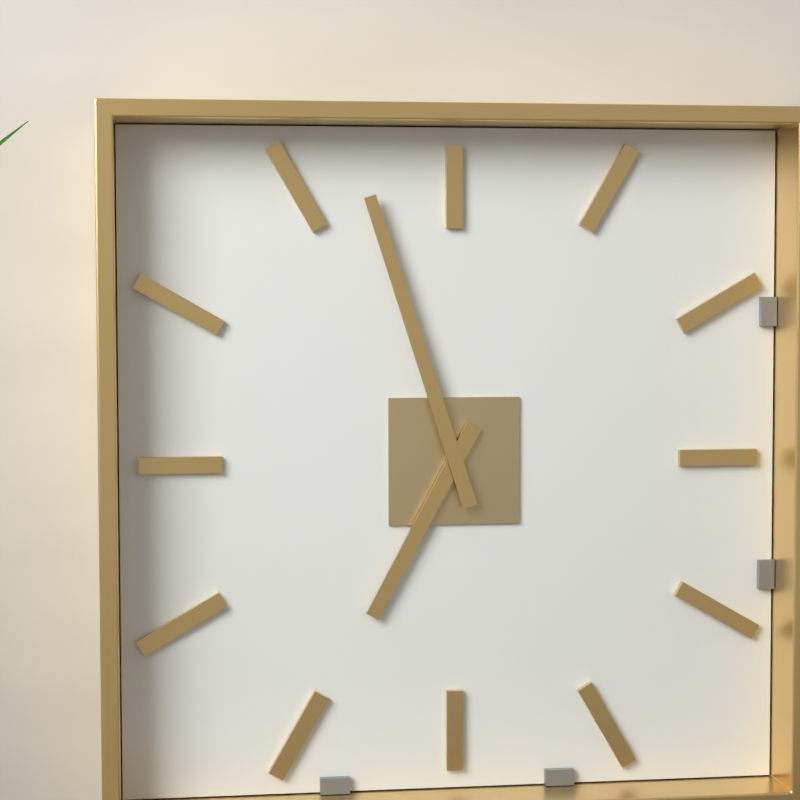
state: 6:57
